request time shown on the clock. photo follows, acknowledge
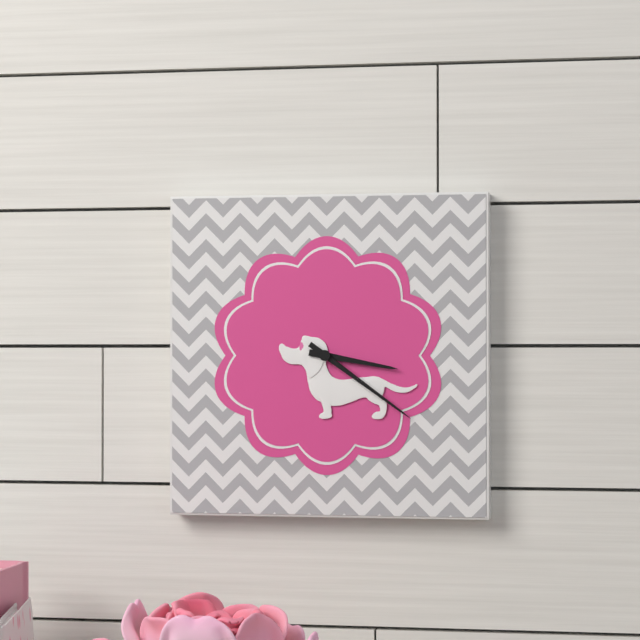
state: 3:21
